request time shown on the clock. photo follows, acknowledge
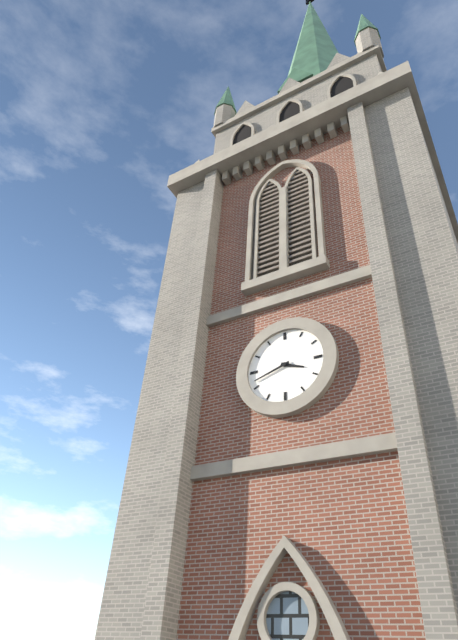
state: 3:42
